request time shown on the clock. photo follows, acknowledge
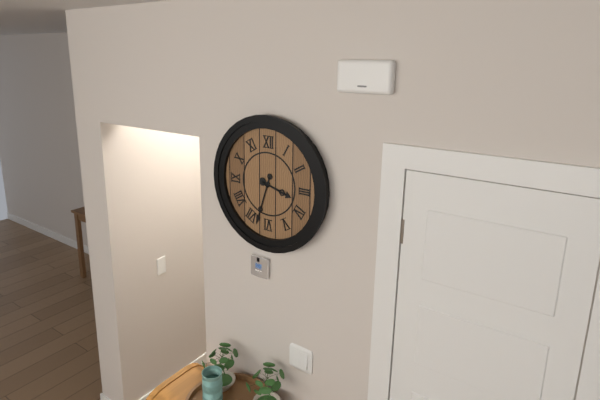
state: 3:33
